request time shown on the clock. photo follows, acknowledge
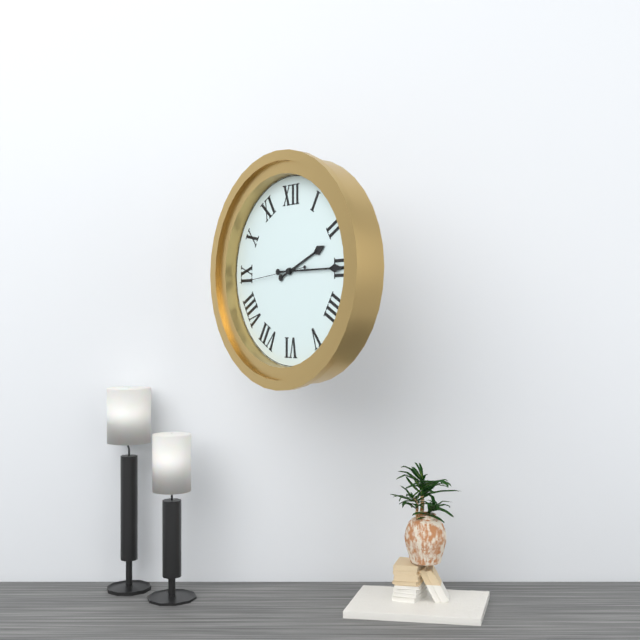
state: 2:15:44
